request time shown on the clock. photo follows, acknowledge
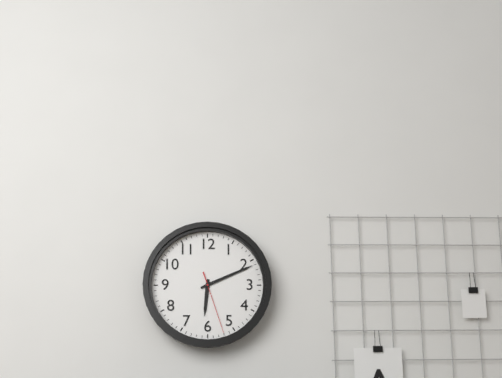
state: 6:11:27
